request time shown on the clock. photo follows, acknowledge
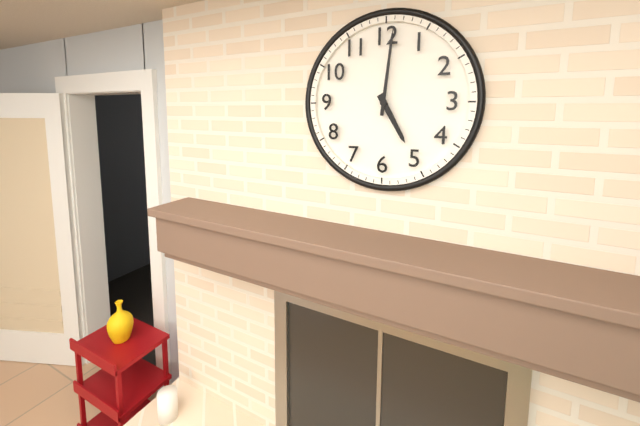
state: 5:01
